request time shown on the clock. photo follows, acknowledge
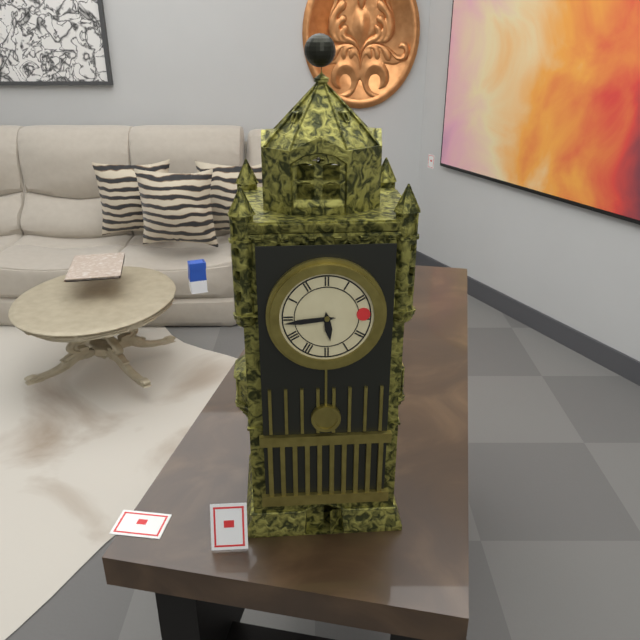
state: 5:44
